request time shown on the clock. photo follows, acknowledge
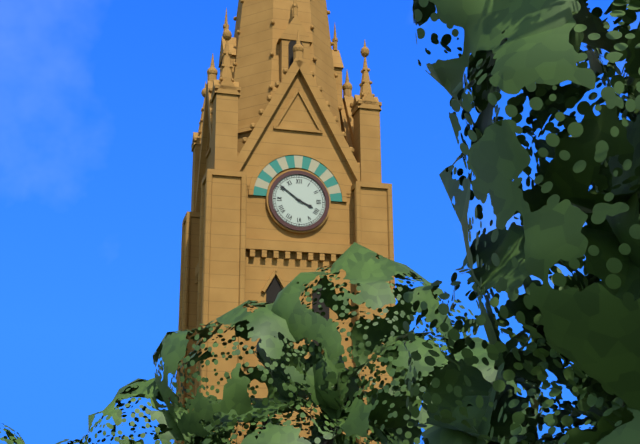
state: 3:51
